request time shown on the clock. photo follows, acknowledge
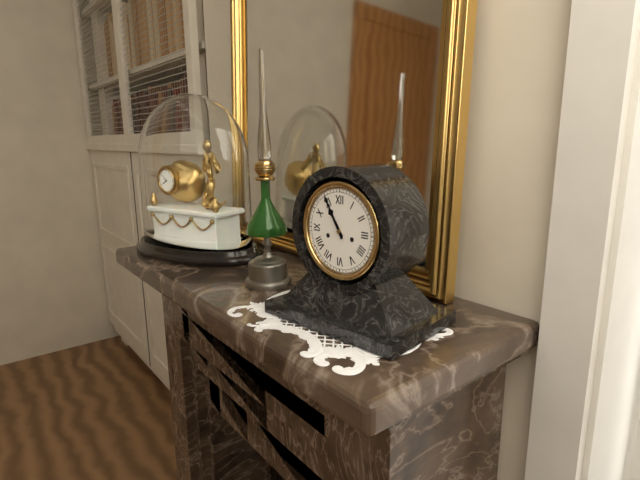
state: 10:55
